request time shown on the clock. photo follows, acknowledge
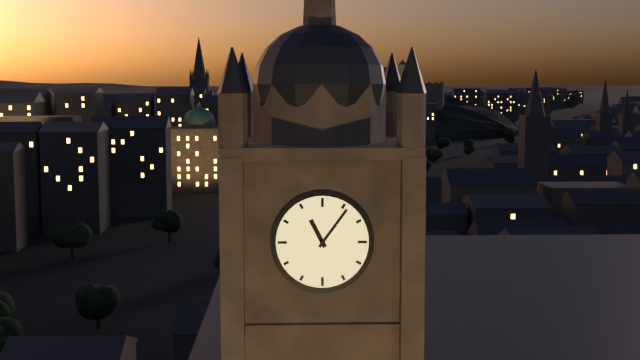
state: 11:06
